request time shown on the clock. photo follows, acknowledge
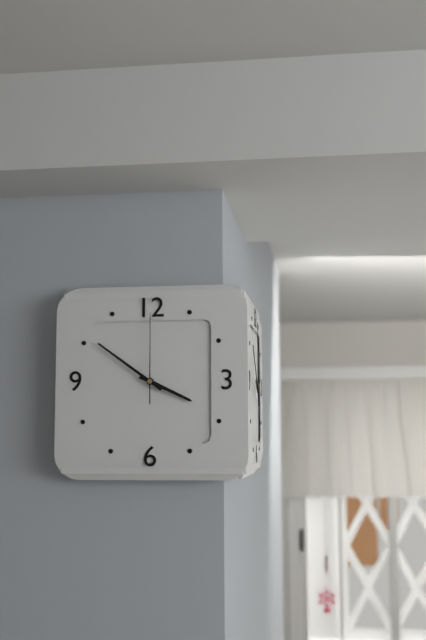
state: 3:51:00
